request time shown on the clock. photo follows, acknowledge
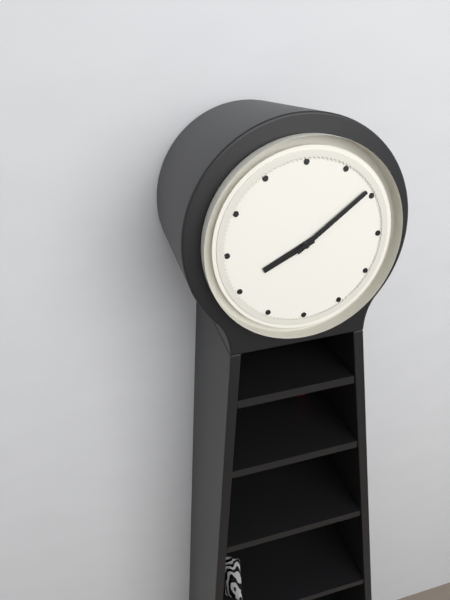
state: 8:09
